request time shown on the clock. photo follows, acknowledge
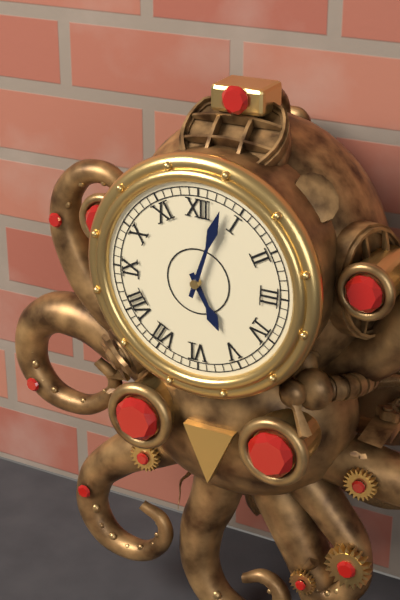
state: 5:03
